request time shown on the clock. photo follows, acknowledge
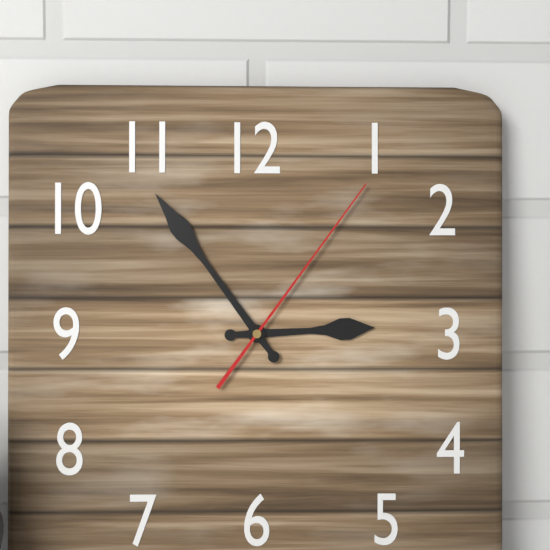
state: 2:54:06
